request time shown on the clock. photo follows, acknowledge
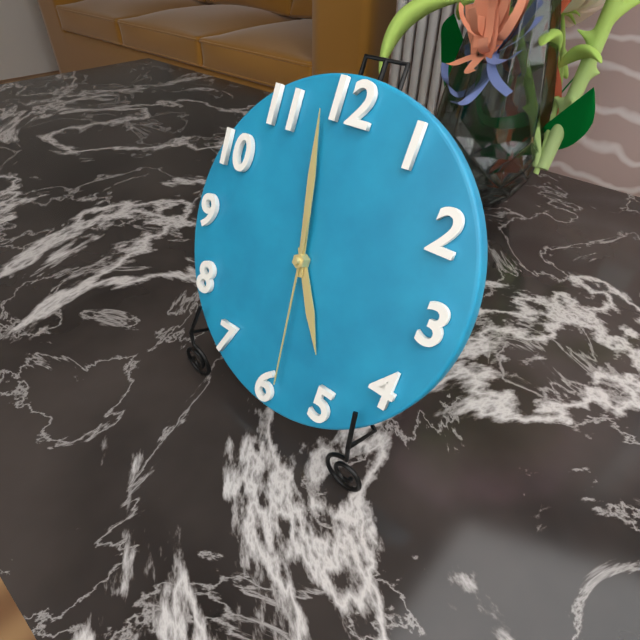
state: 4:58:29
